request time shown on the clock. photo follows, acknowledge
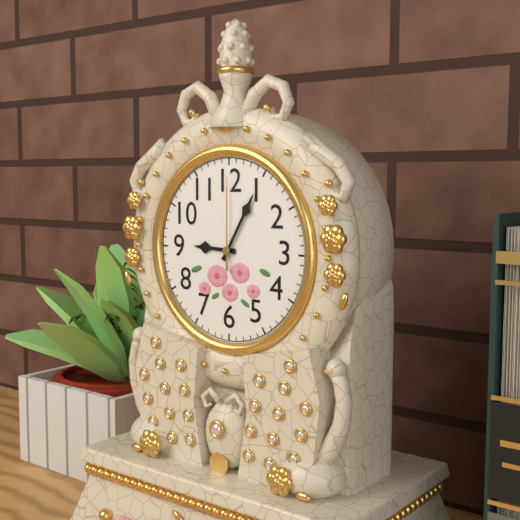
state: 9:05:00
